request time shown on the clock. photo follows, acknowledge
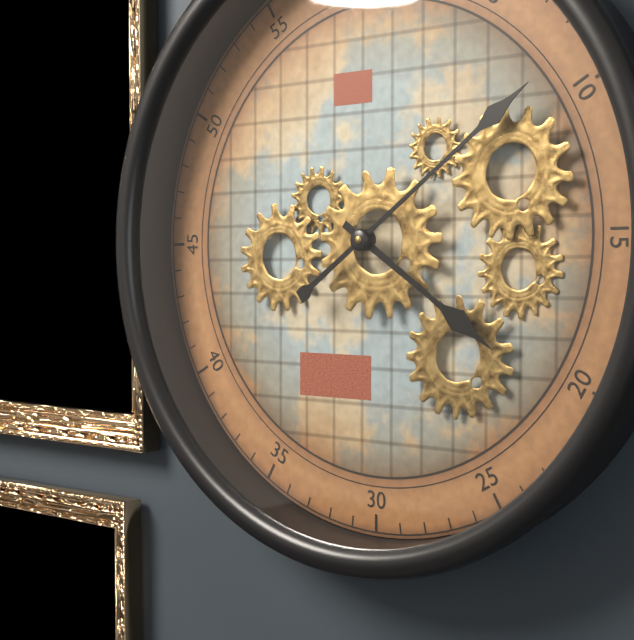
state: 4:09
